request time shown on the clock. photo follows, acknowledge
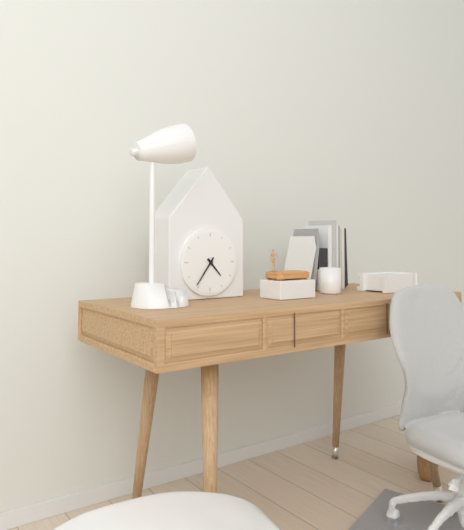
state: 4:36
